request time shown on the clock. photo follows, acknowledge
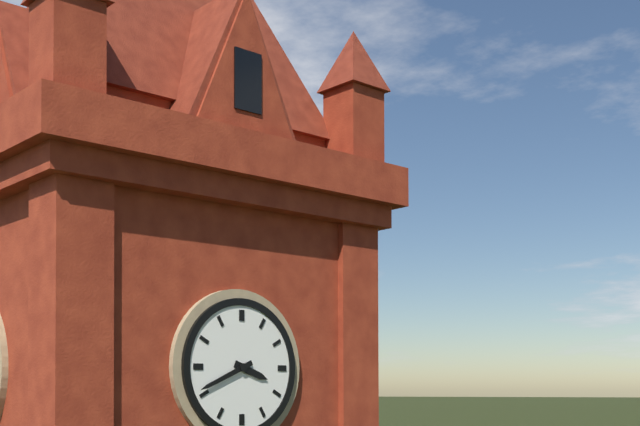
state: 3:41
